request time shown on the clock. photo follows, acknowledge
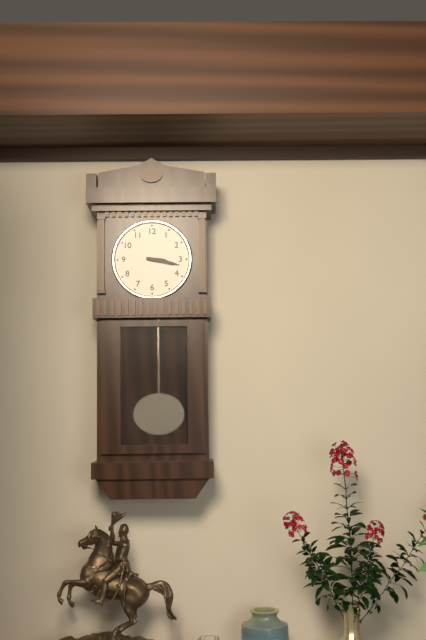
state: 3:17
